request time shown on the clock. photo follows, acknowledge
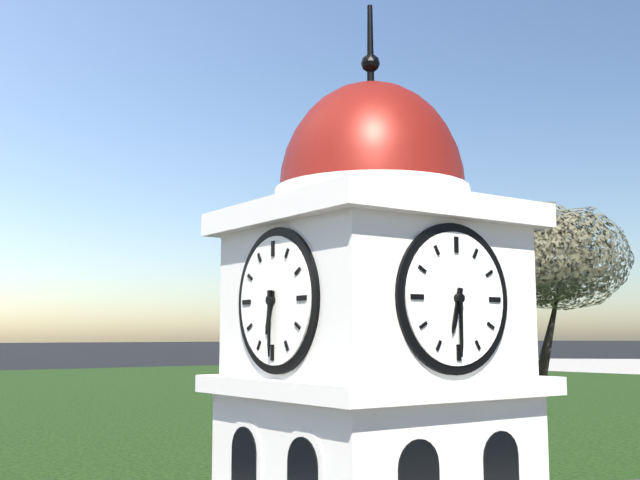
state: 6:30
